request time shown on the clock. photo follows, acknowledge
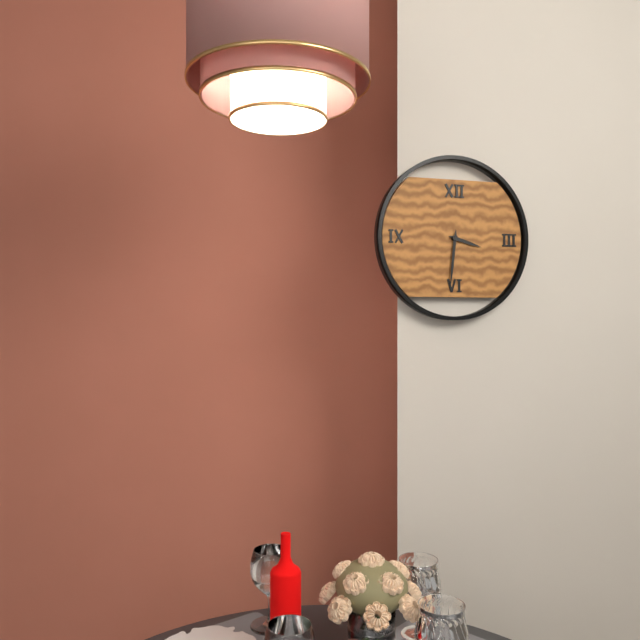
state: 3:31
